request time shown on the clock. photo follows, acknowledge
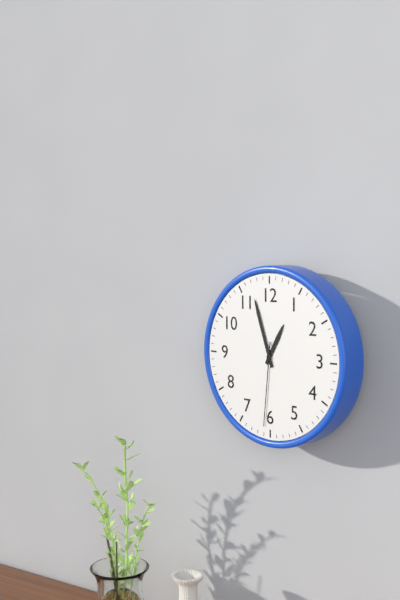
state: 12:57:31
